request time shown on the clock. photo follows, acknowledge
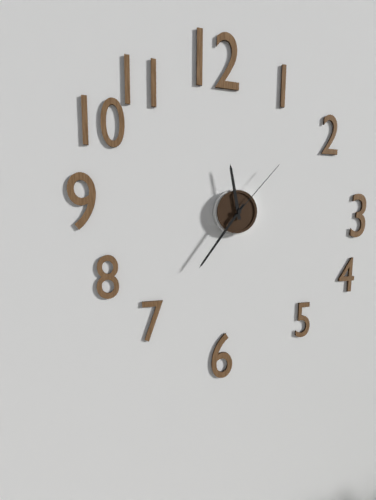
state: 11:36:07
